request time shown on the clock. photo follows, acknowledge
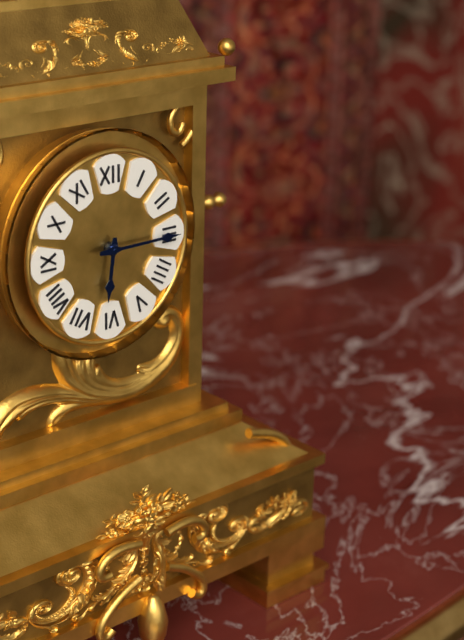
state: 6:15
